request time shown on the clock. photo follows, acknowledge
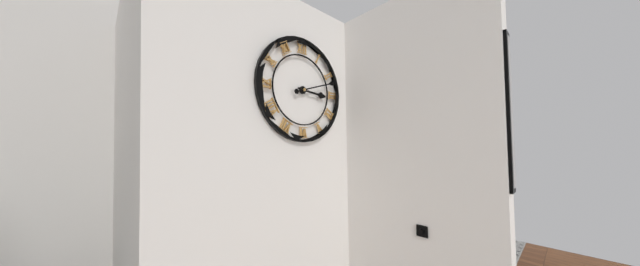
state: 3:12
